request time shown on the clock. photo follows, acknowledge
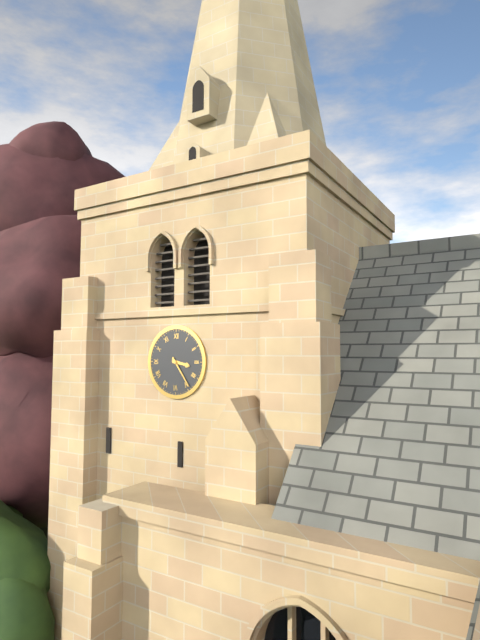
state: 3:24
